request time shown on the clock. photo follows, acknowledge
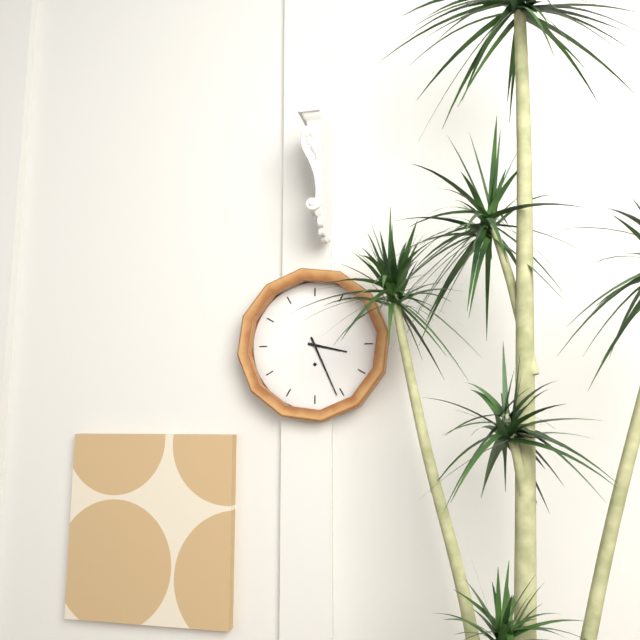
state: 3:26
